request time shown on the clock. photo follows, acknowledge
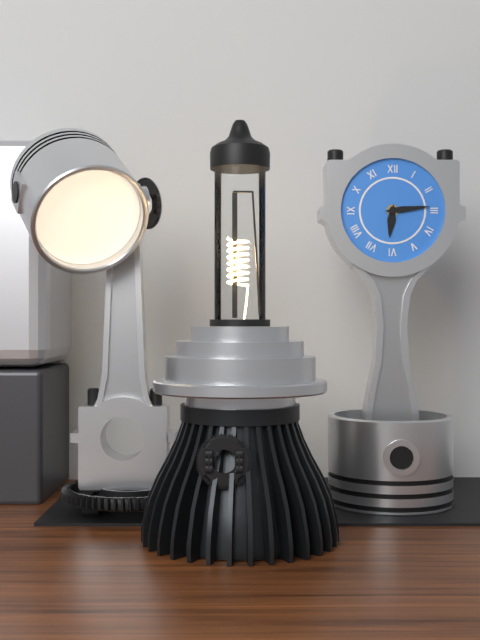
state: 6:14
